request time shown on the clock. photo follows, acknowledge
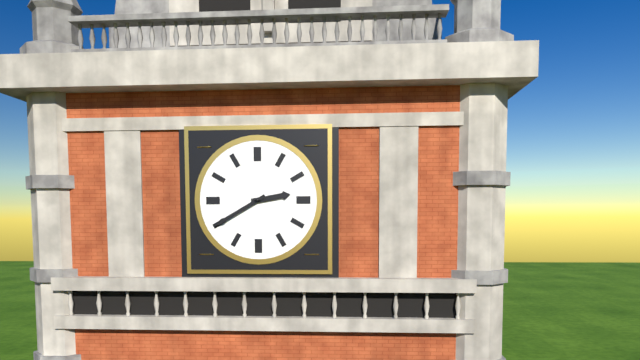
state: 2:40
